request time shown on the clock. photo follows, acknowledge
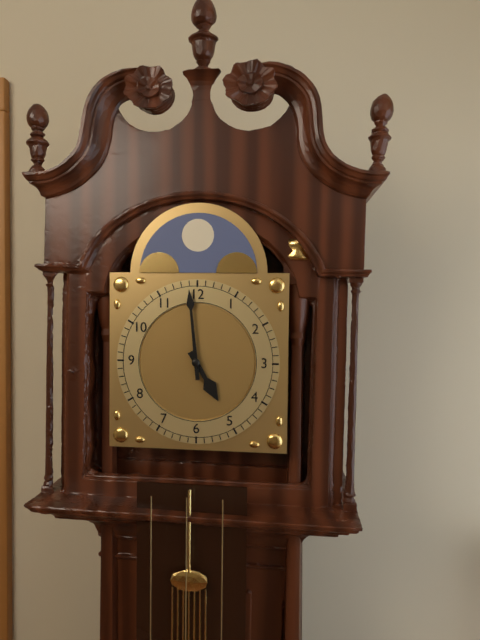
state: 4:59
